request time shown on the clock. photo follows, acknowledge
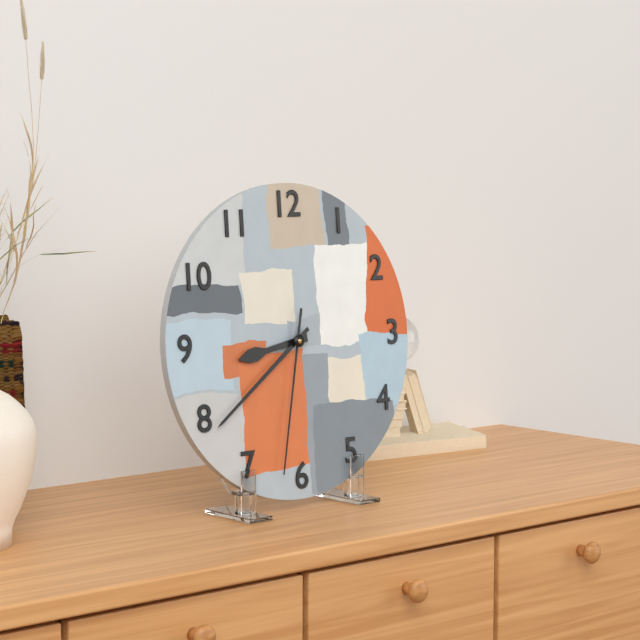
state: 8:39:32
